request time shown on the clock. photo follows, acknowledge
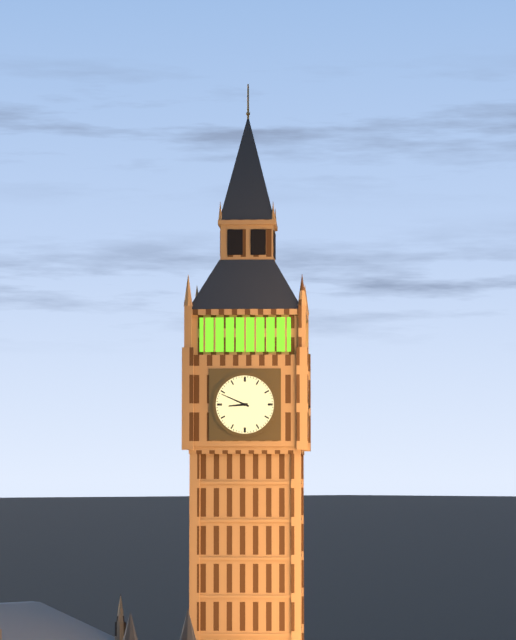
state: 8:49
